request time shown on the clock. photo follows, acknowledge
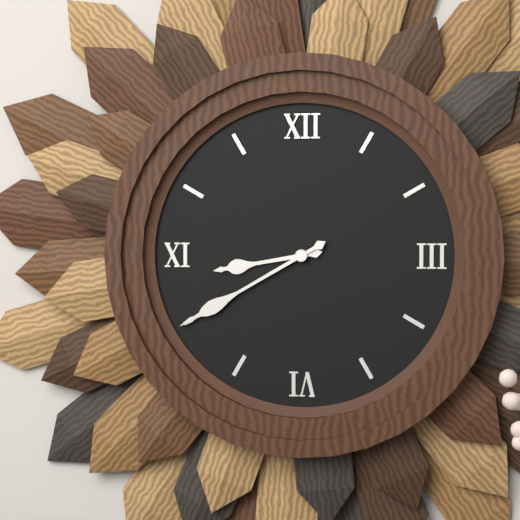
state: 8:40
